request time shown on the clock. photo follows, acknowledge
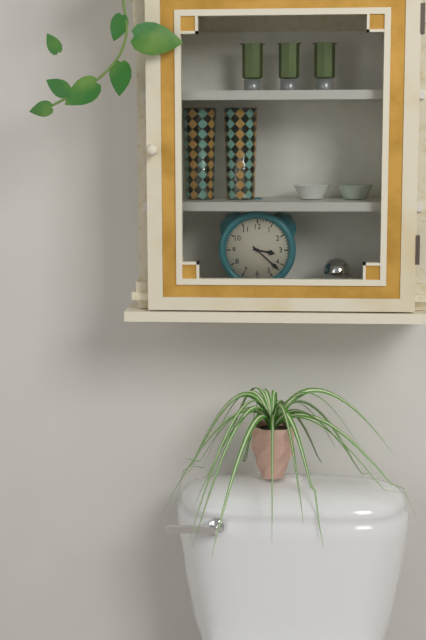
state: 3:22
